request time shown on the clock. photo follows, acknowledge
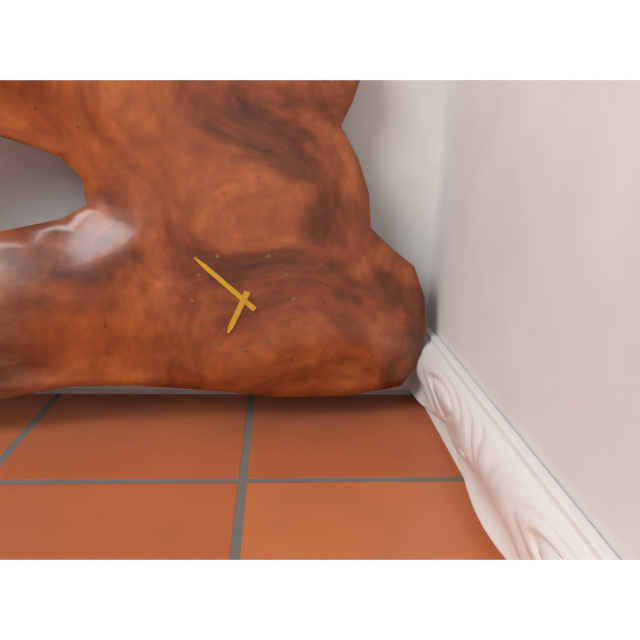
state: 6:52
